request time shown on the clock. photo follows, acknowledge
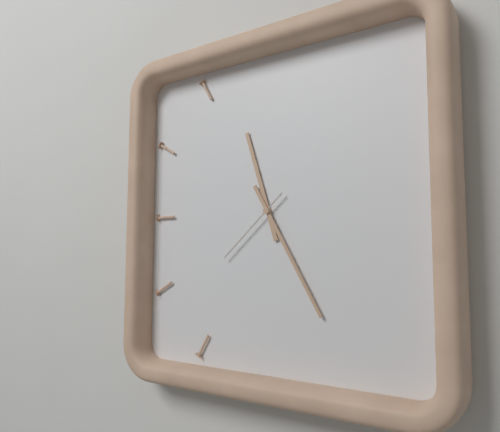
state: 11:25:38
